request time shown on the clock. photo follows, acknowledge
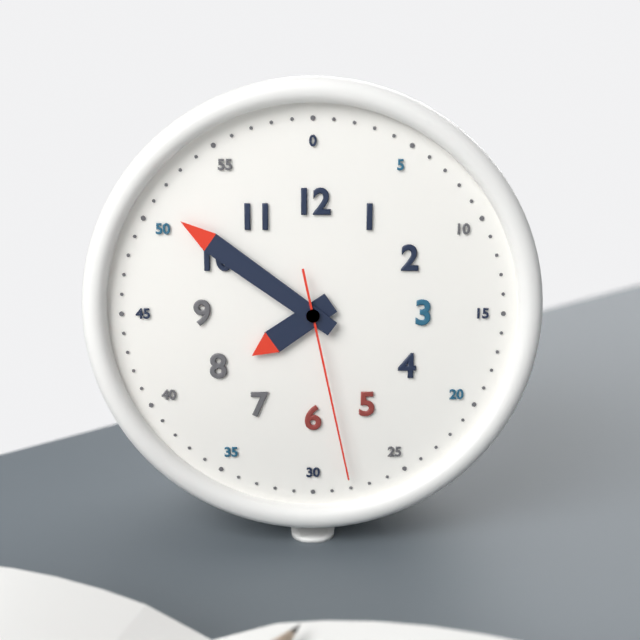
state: 7:51:28
